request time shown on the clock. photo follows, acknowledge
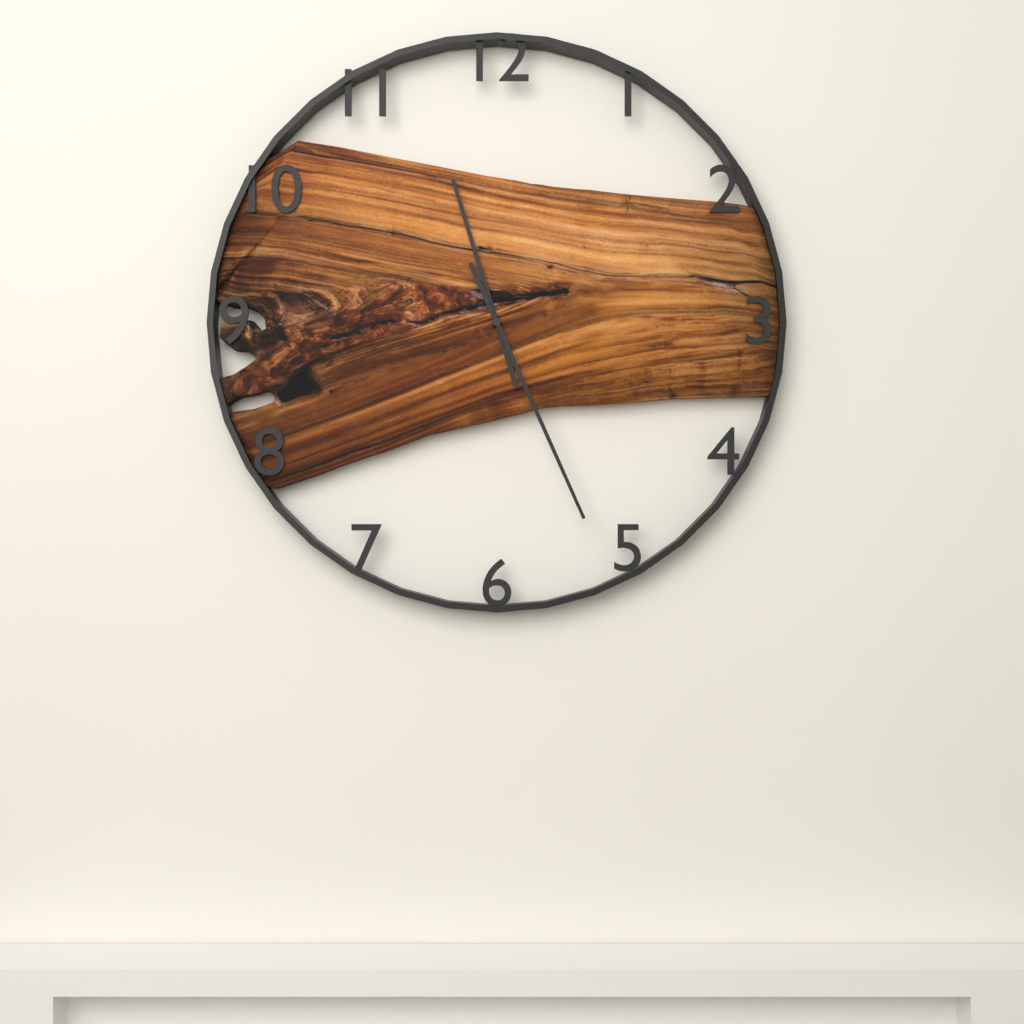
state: 11:26
